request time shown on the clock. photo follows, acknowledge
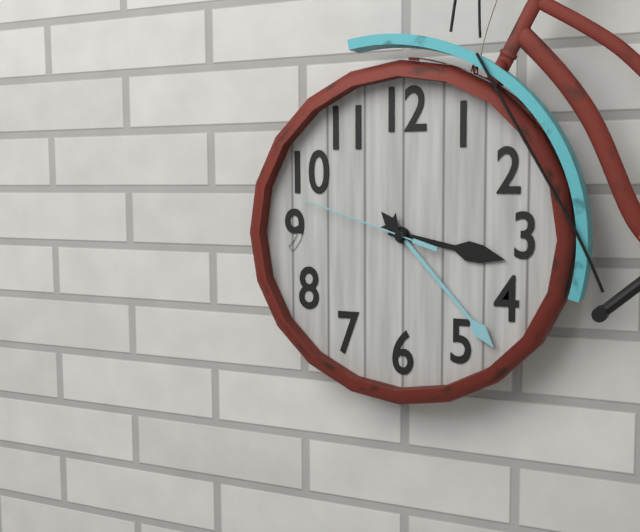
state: 3:23:48
